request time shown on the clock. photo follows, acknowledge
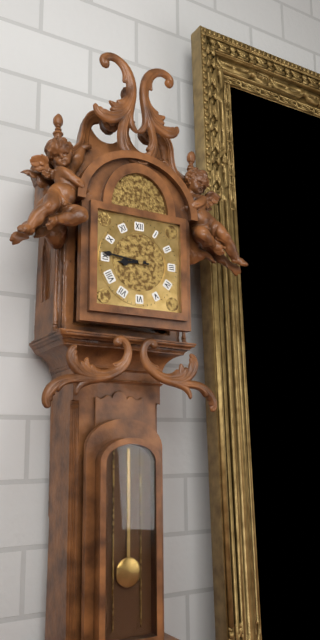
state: 8:46
